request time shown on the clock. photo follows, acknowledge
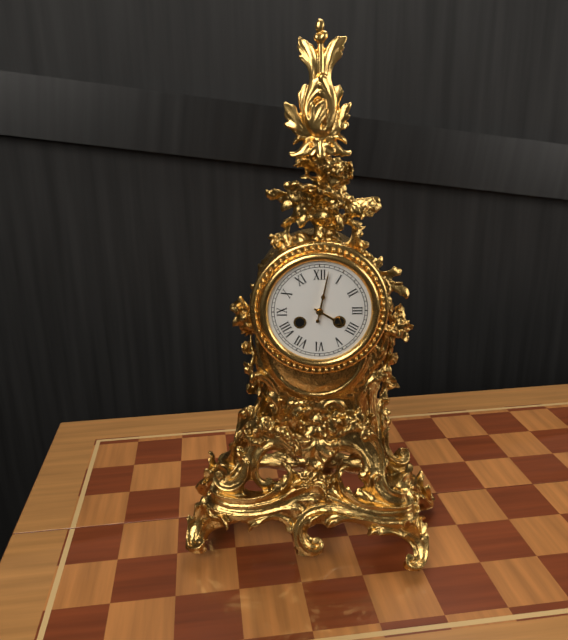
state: 4:02
